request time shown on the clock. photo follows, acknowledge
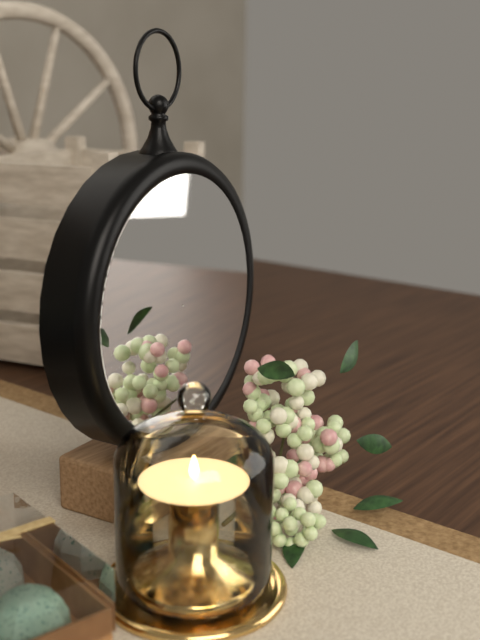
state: 9:05
